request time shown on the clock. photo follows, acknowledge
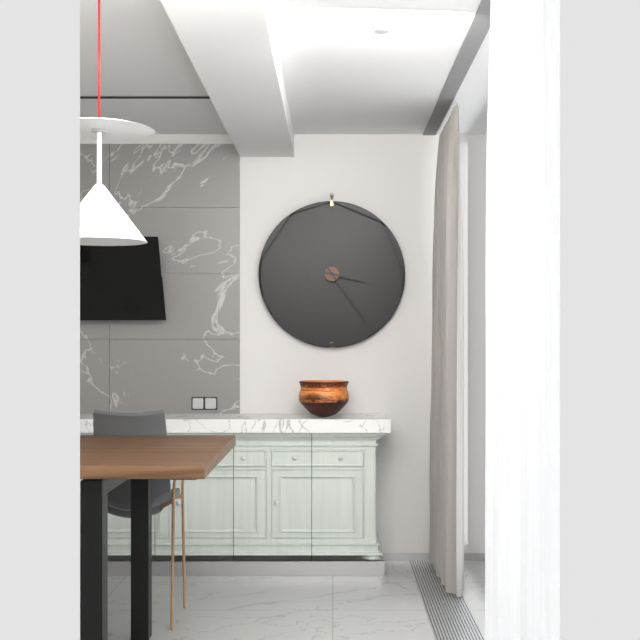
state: 3:24
